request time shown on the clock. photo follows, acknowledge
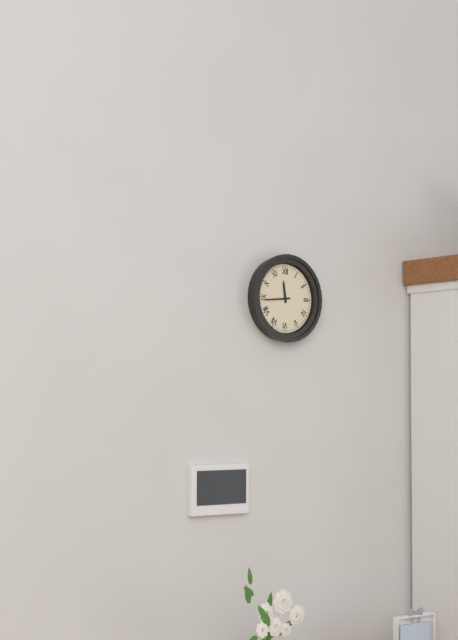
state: 11:44
